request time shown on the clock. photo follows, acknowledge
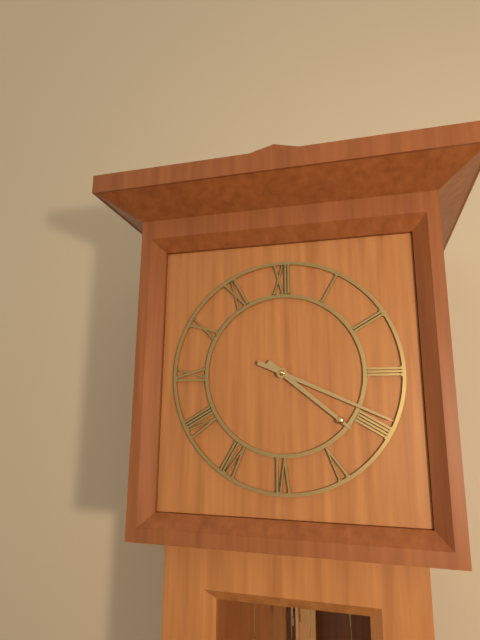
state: 4:19
